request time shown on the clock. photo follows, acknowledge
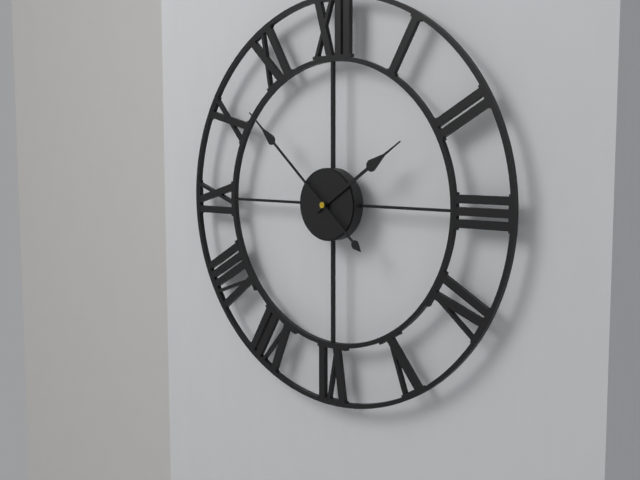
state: 1:52
